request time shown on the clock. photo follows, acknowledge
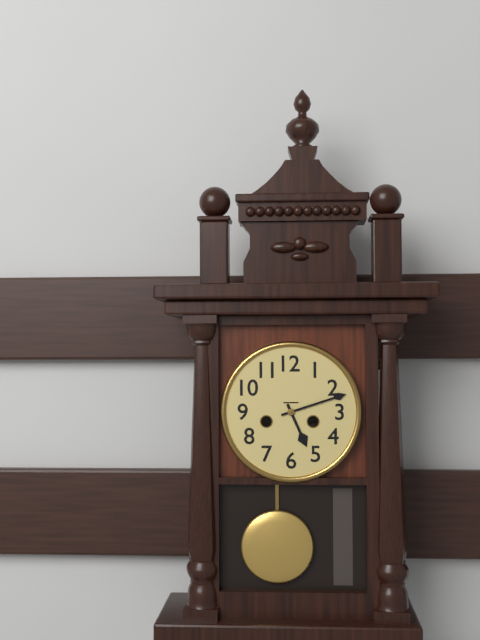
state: 5:12
